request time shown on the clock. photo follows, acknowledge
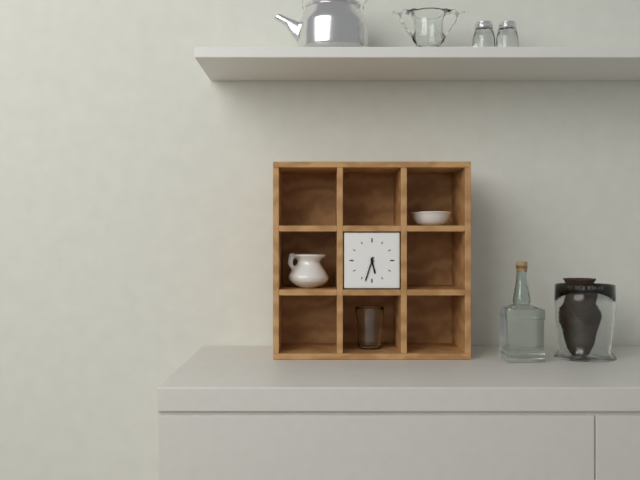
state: 5:33
